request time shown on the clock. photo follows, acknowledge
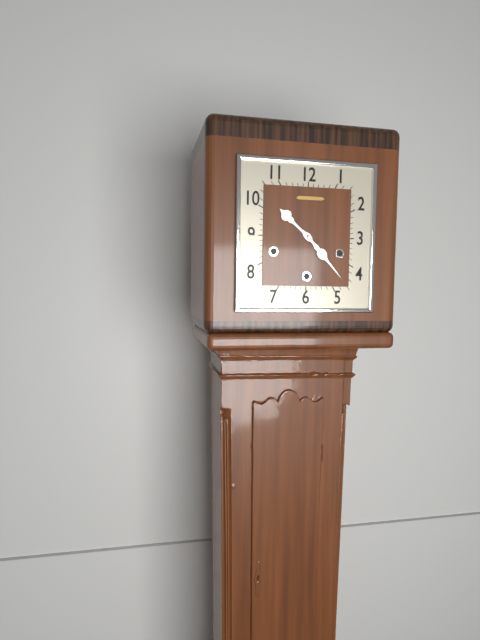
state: 10:23
